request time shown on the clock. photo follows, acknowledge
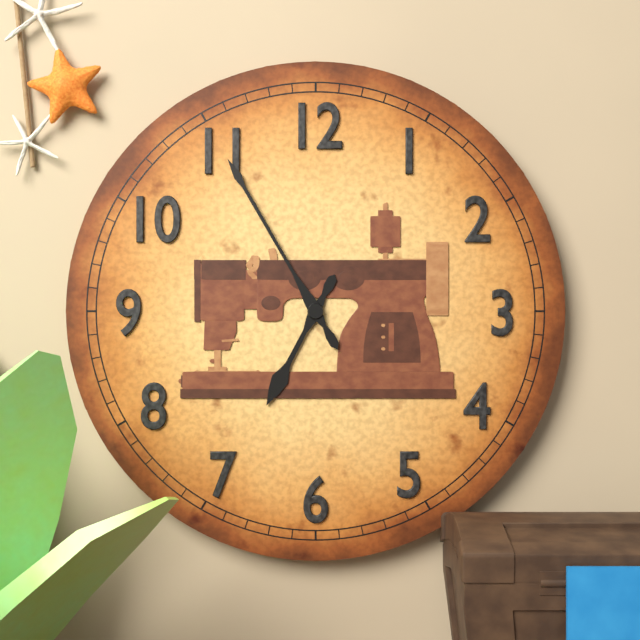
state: 6:55
